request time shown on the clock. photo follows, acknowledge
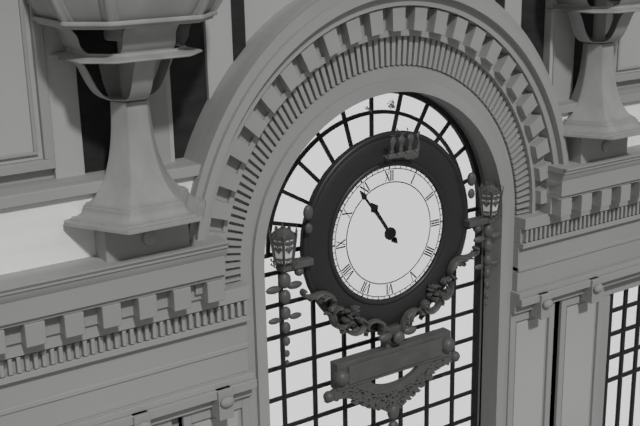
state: 10:54
